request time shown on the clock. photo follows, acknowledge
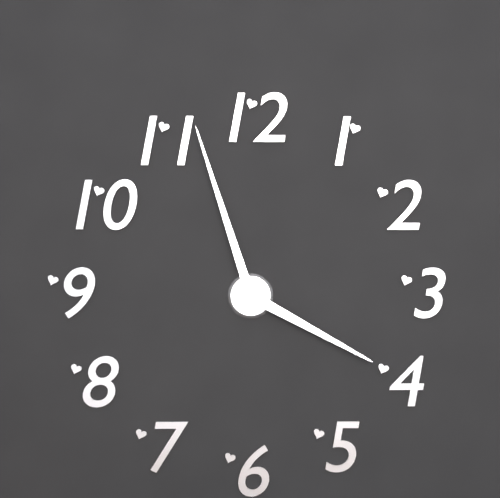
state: 3:57
